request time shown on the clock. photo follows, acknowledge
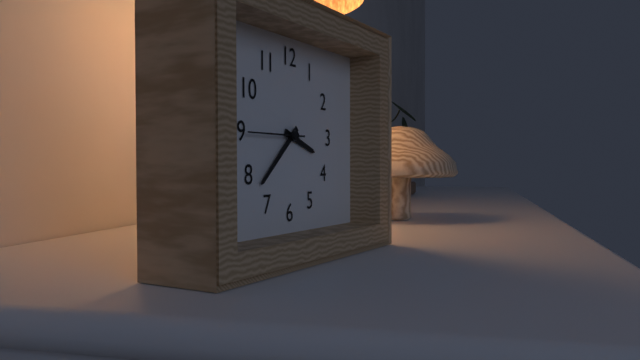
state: 3:38:45
